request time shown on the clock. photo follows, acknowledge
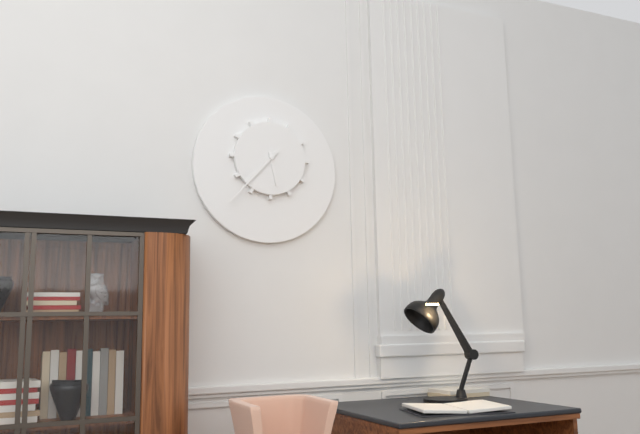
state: 5:37
